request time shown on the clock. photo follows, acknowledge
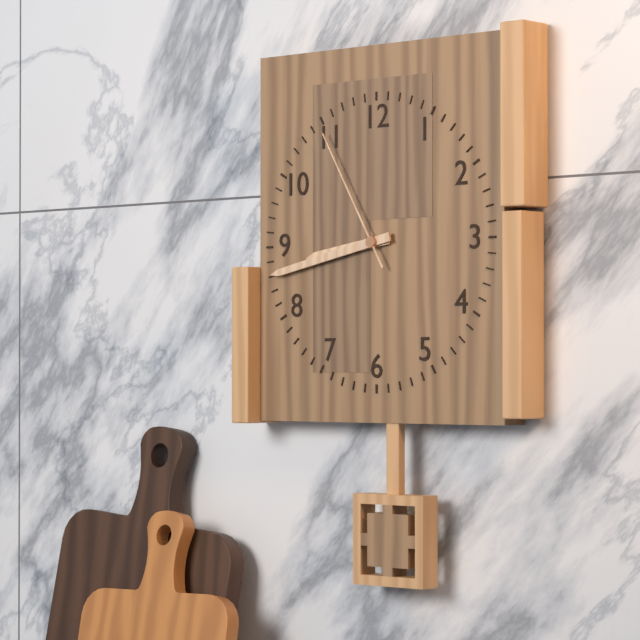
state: 8:43:55
